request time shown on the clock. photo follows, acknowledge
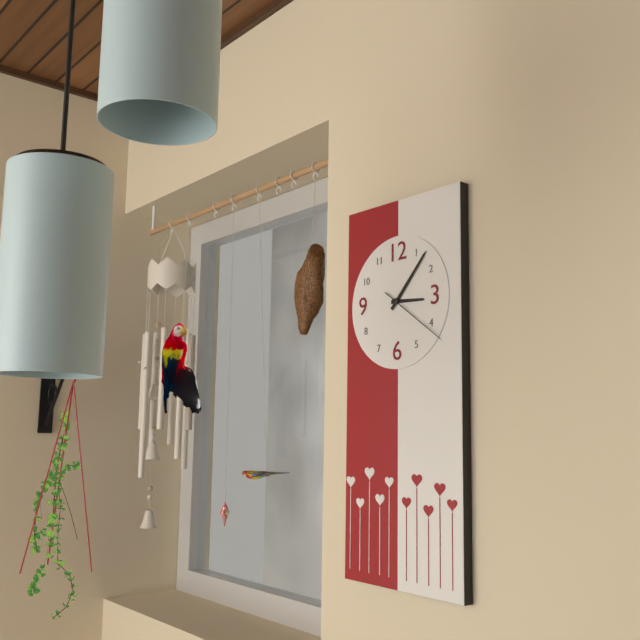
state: 3:07:21
